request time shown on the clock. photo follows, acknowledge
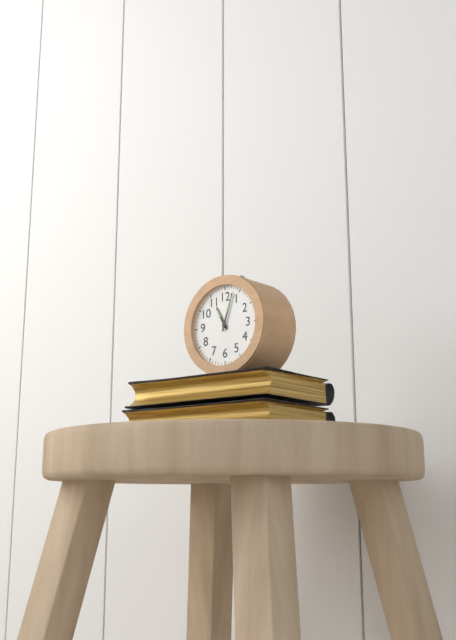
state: 11:03
